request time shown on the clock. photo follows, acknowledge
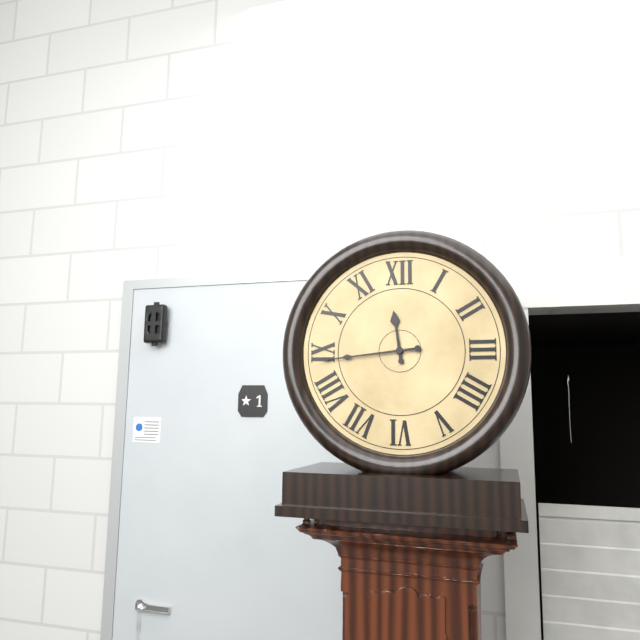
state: 11:44
